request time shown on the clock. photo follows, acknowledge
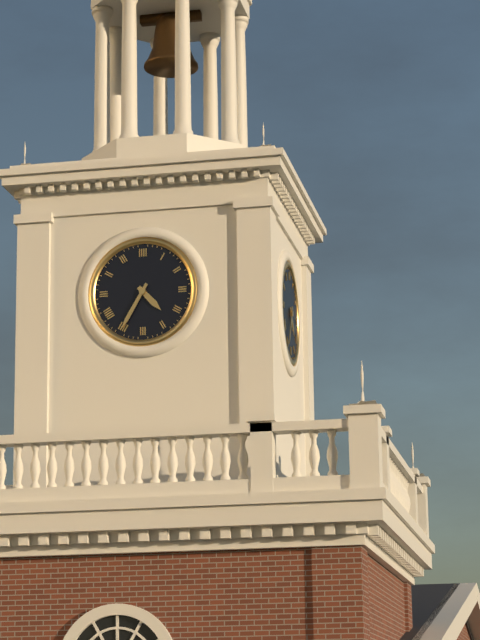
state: 4:35
